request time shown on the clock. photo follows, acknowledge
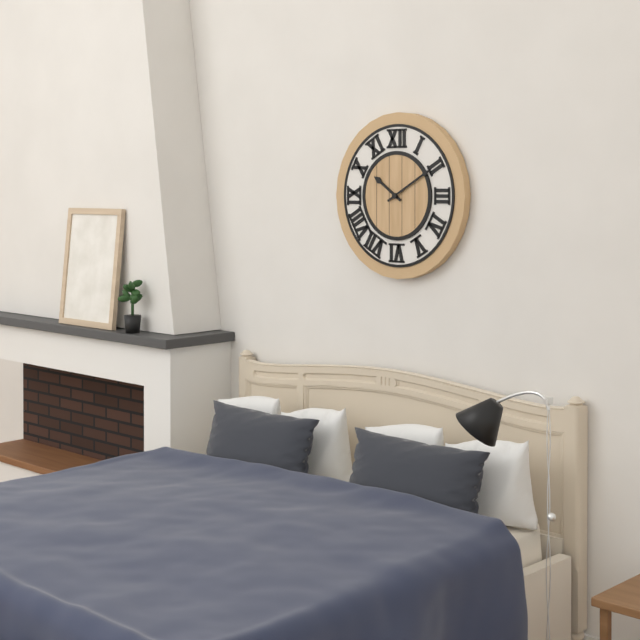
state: 10:10
